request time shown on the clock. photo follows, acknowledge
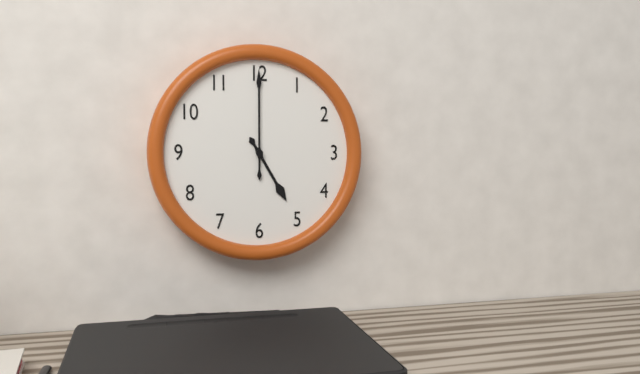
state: 5:00
